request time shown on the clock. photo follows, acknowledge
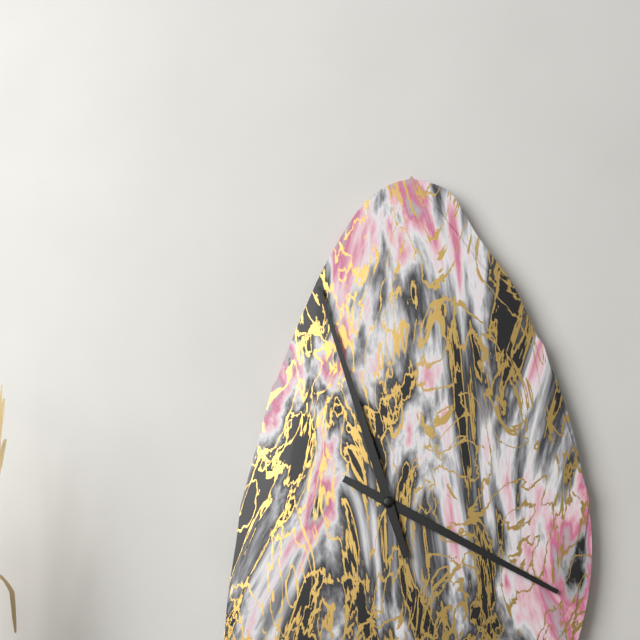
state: 3:57
